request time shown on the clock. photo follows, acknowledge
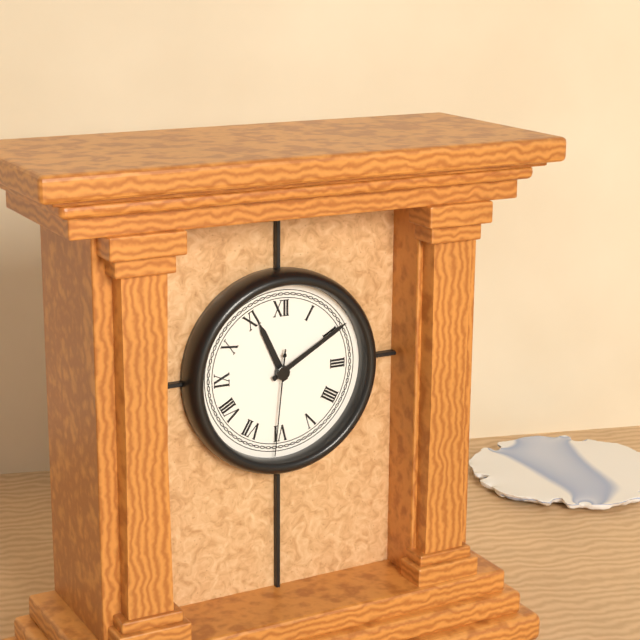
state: 11:10:31
